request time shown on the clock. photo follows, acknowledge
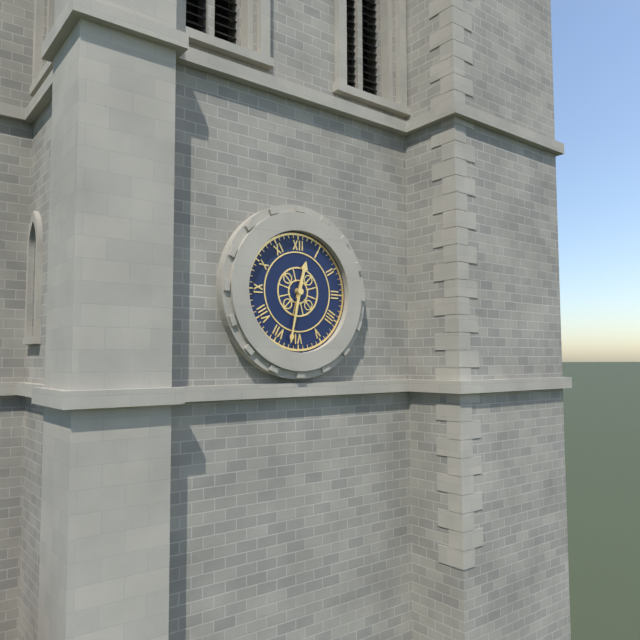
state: 12:32
